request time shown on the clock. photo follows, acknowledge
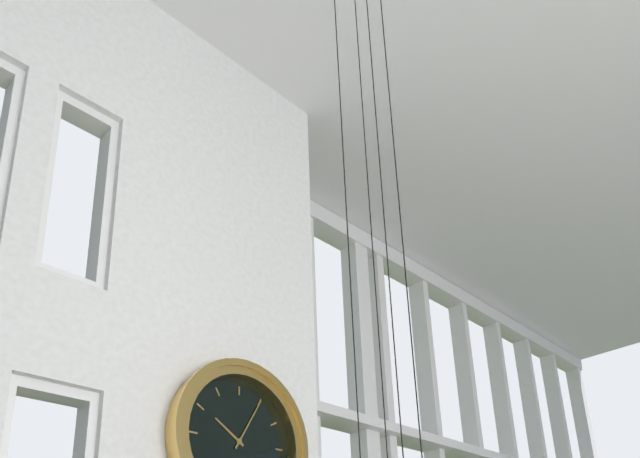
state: 10:05
